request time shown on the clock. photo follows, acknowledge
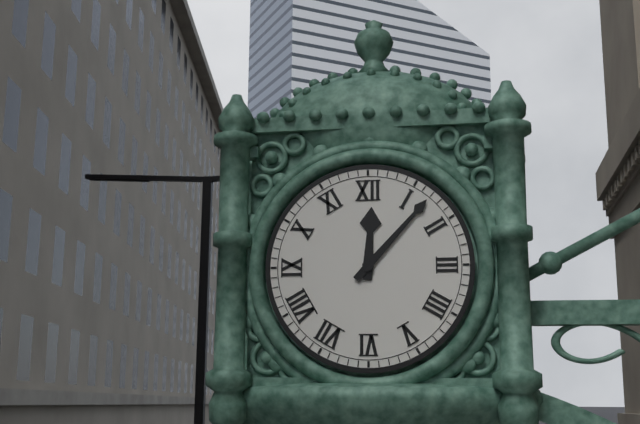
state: 12:07
